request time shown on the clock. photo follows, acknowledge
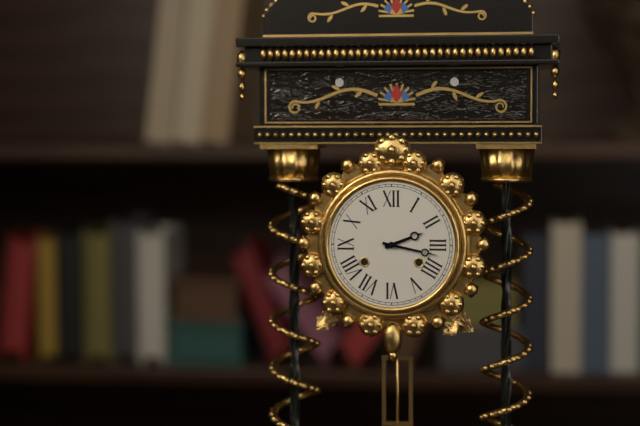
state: 2:17
